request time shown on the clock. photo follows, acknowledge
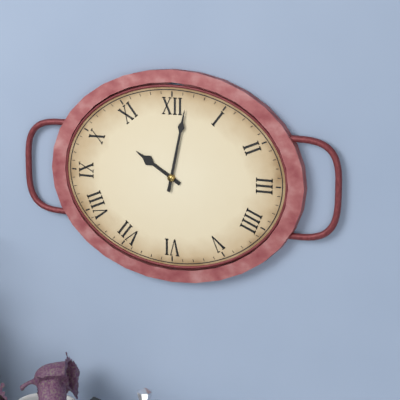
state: 10:02
